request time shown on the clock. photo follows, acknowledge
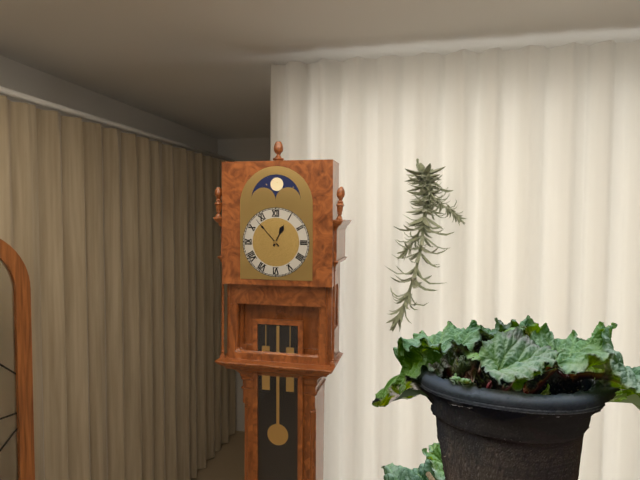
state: 12:53
